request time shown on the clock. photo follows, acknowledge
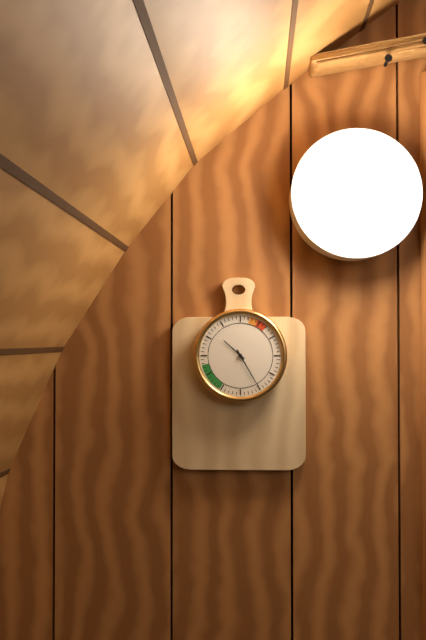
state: 10:25
